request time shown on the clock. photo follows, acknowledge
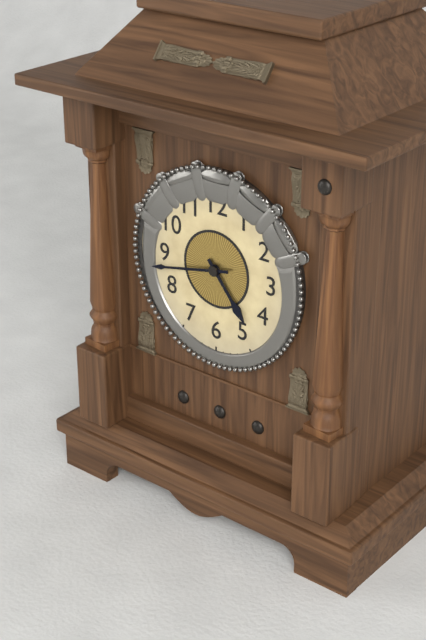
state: 4:43
